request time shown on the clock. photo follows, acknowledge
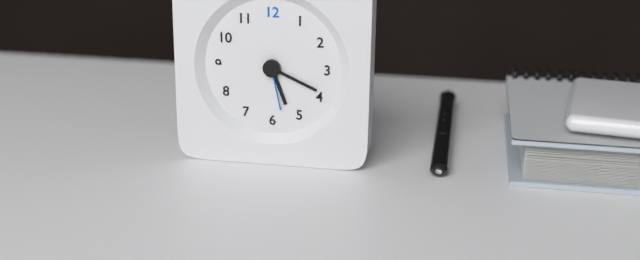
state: 5:19:28
